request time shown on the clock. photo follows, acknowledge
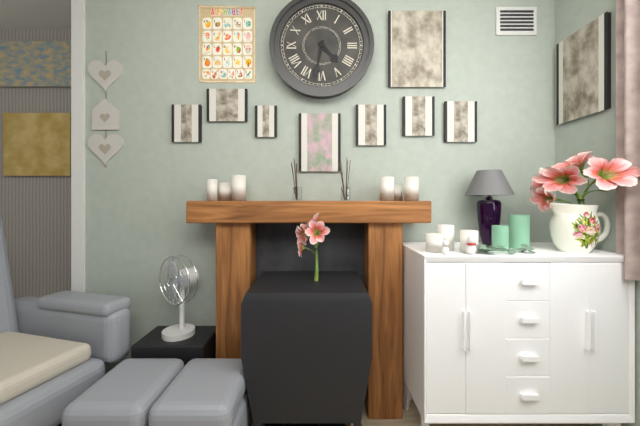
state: 4:32
